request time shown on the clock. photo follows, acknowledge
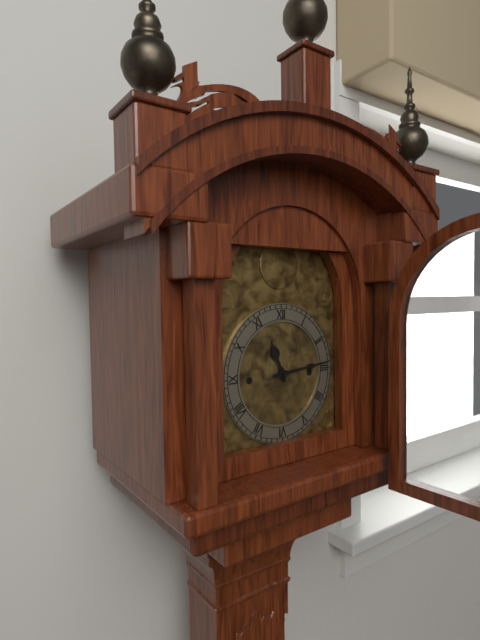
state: 11:14
